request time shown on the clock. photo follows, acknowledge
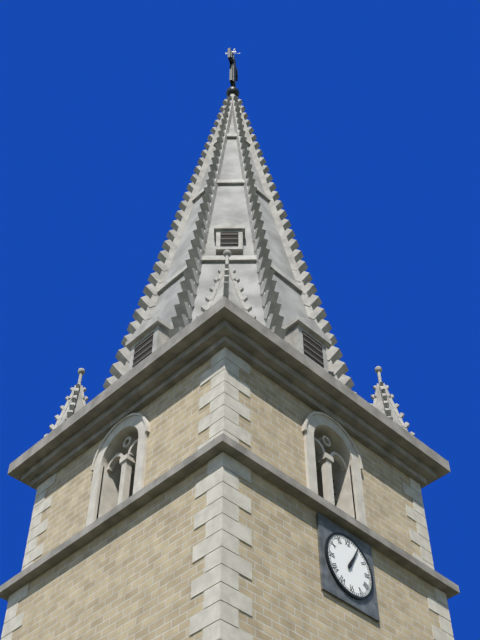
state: 1:05
